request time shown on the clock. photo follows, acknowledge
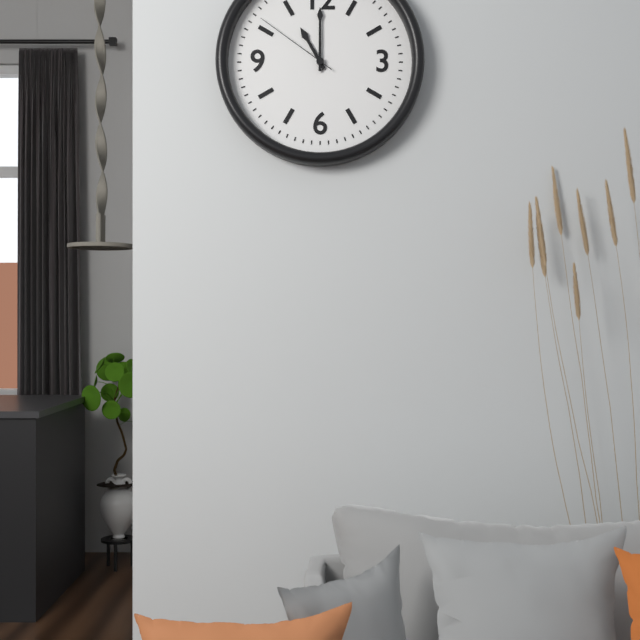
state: 11:00:51
